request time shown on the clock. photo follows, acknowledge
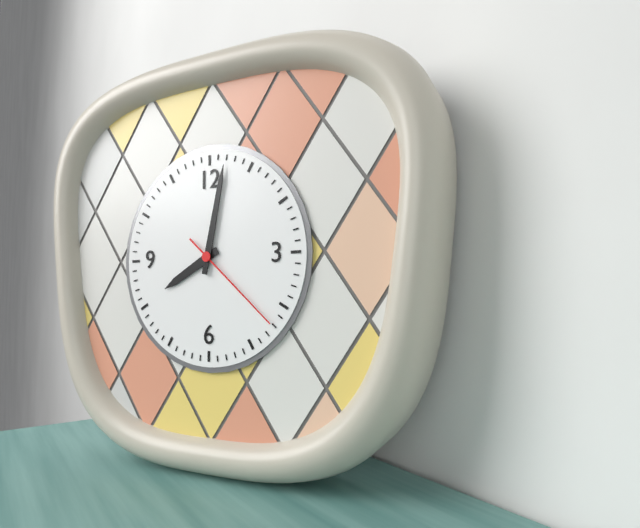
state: 8:02:22
